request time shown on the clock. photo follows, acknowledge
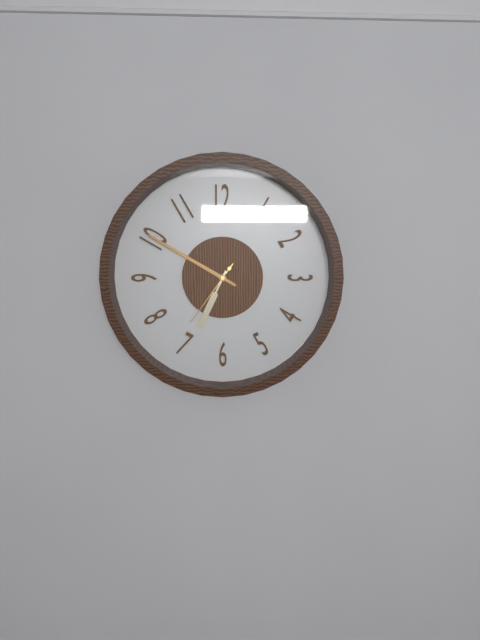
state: 6:50:36
